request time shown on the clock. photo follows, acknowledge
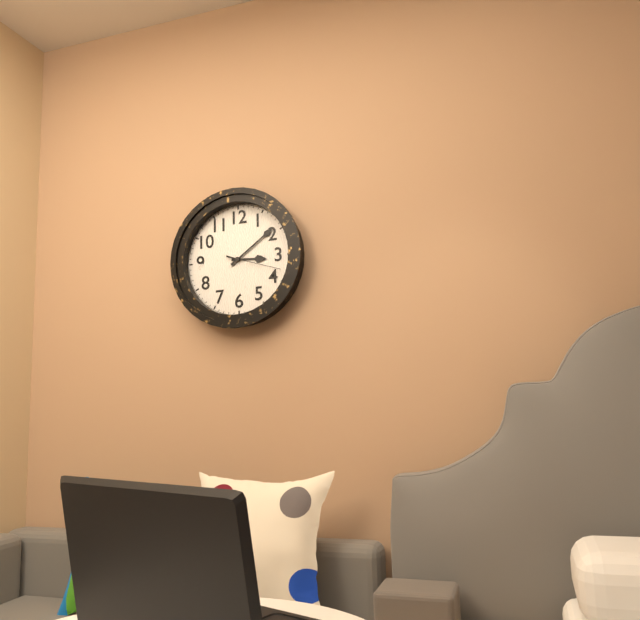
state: 3:09:18
